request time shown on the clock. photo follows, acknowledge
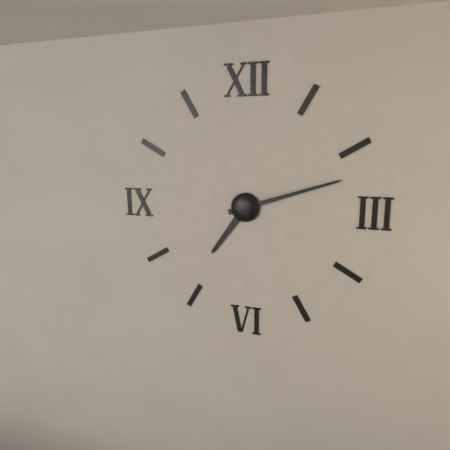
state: 7:12
